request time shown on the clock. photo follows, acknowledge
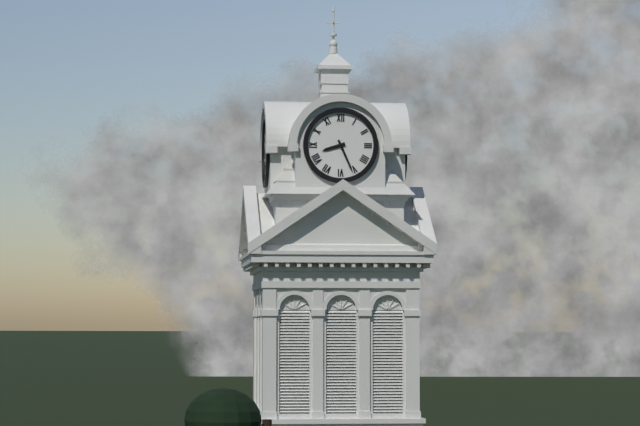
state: 8:26
